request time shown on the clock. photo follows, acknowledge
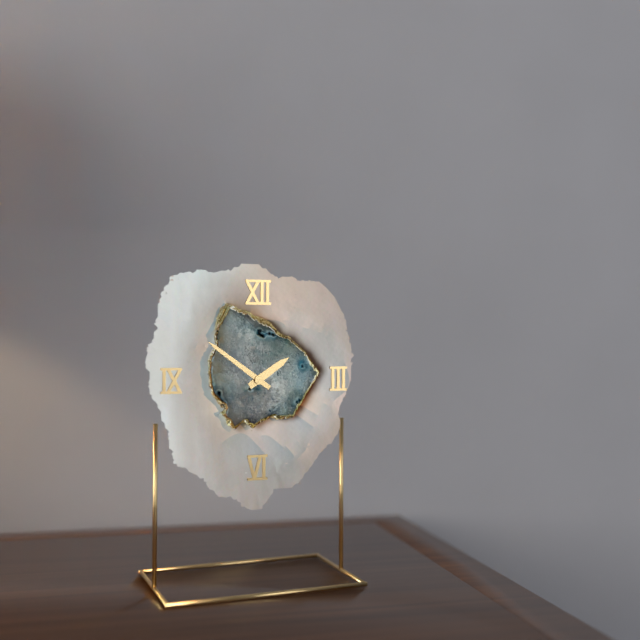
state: 1:51
